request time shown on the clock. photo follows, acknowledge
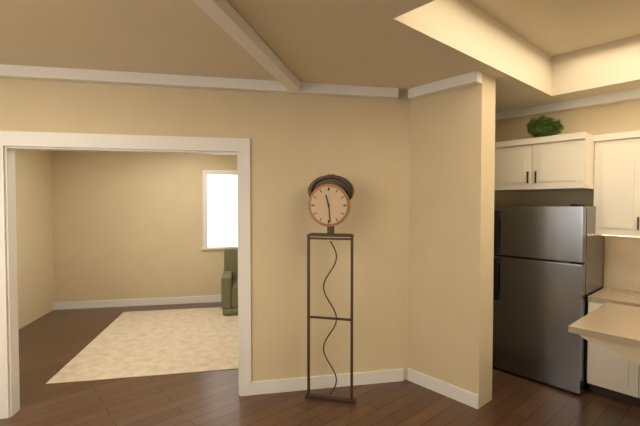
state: 11:29
